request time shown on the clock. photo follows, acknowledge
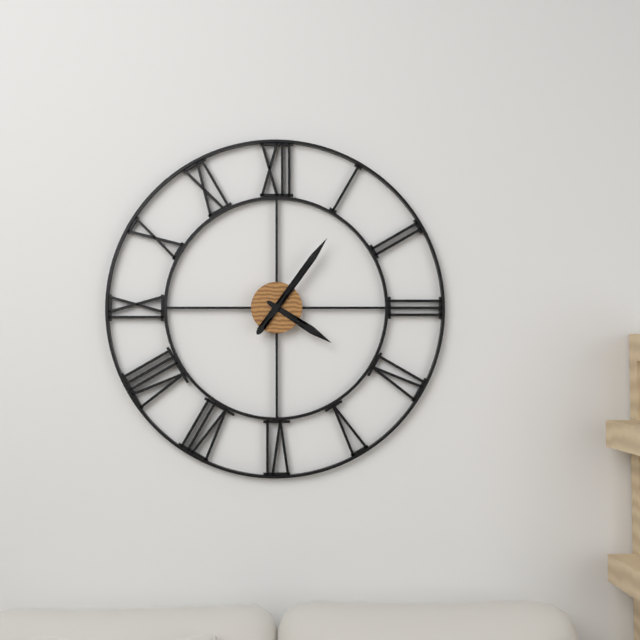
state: 4:06
